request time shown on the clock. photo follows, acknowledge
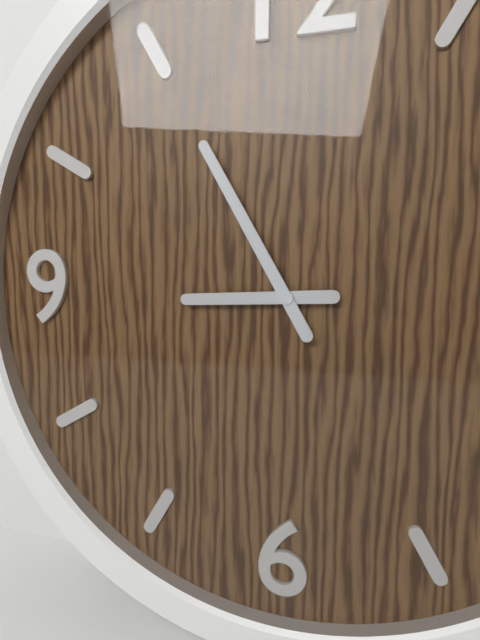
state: 8:55
